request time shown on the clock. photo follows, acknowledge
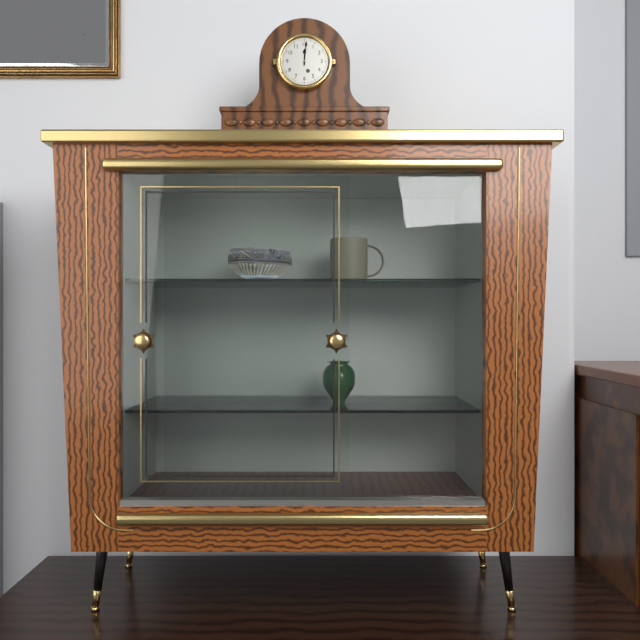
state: 12:01
